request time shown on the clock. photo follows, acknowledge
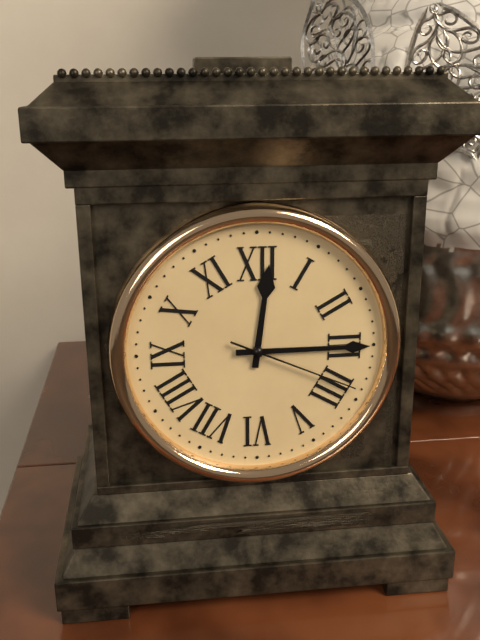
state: 12:15:19
